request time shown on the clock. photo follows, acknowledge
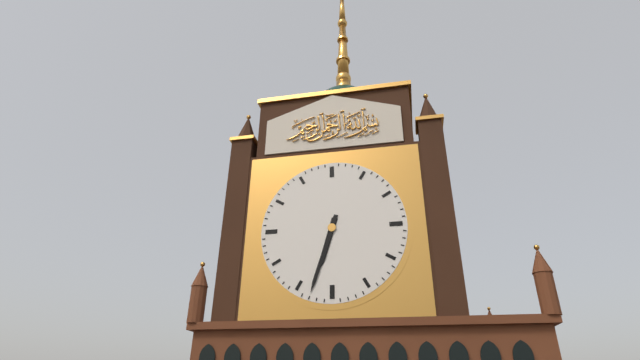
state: 6:33
